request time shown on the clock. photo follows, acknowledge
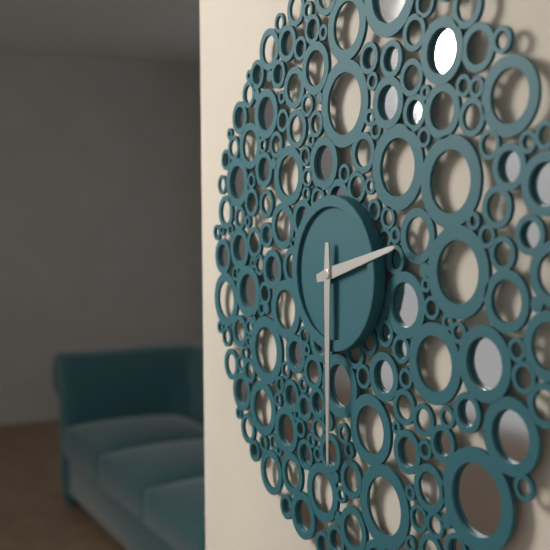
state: 2:30
